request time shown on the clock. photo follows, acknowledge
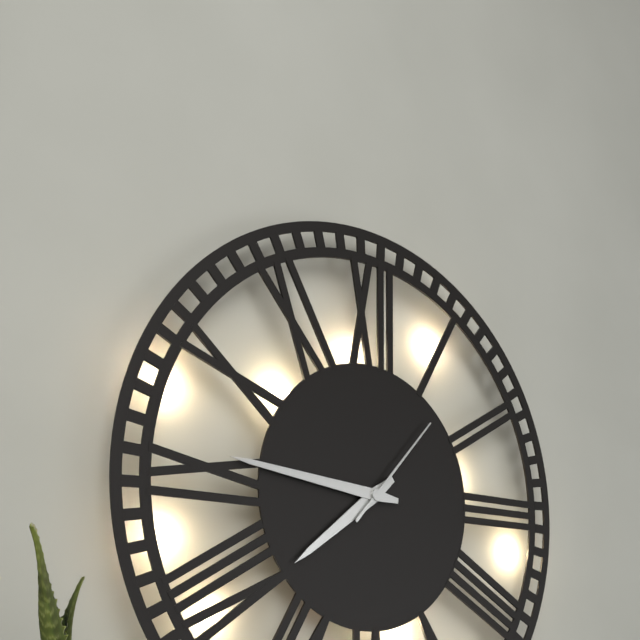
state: 7:46:07
